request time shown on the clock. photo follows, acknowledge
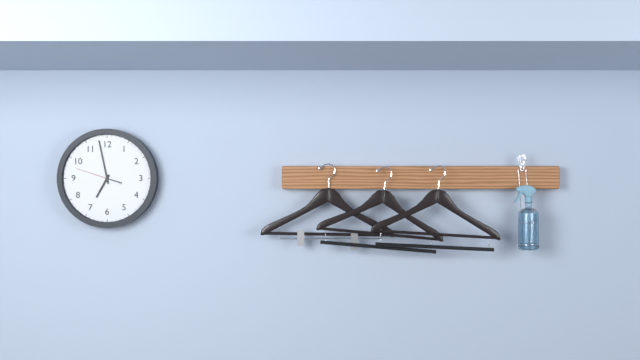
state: 6:58
